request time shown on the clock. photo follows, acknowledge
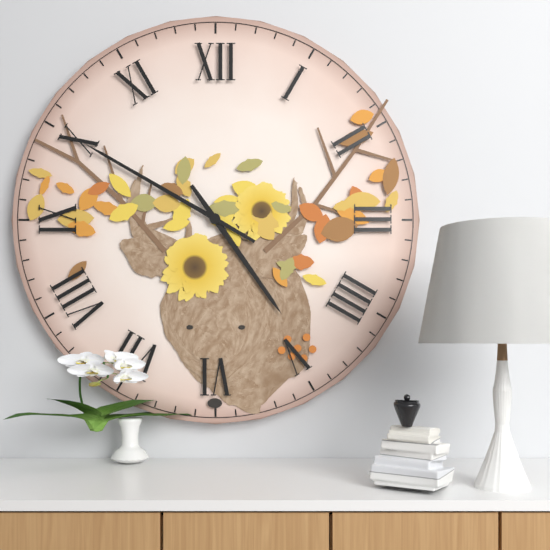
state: 4:50
